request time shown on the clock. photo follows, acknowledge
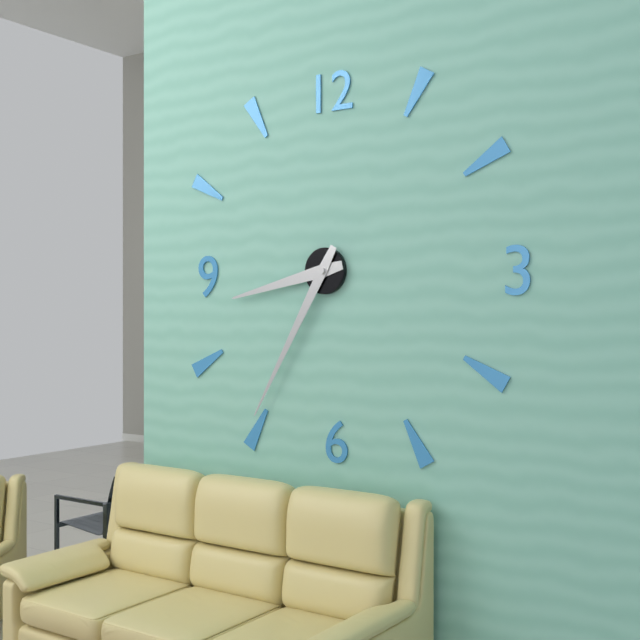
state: 8:35
